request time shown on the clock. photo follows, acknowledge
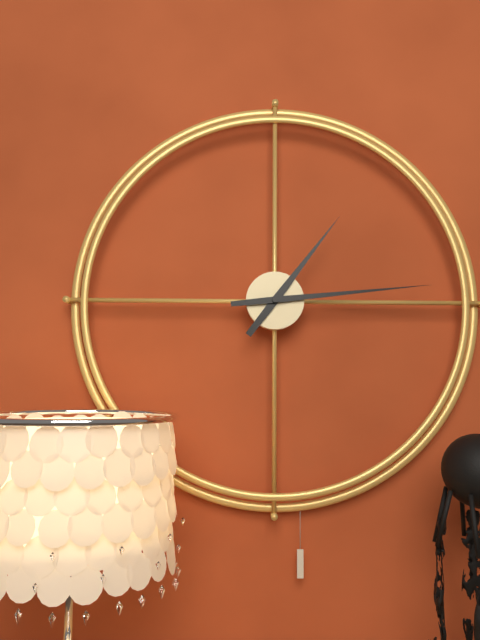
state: 1:14
